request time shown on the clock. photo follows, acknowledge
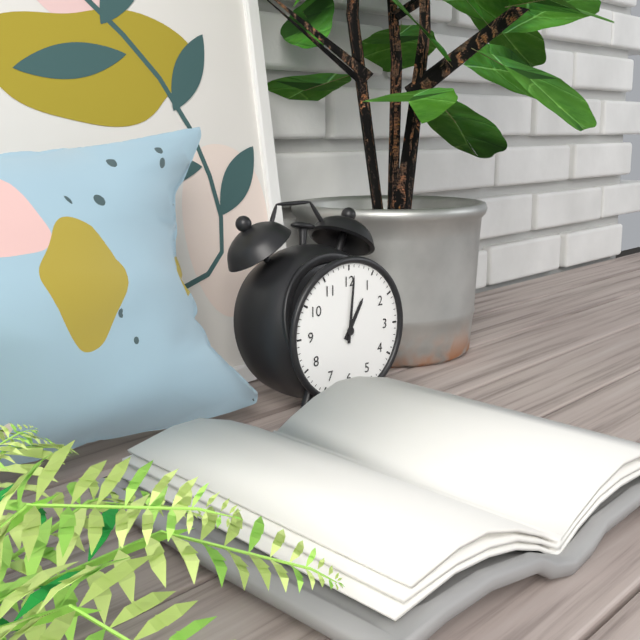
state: 1:01
